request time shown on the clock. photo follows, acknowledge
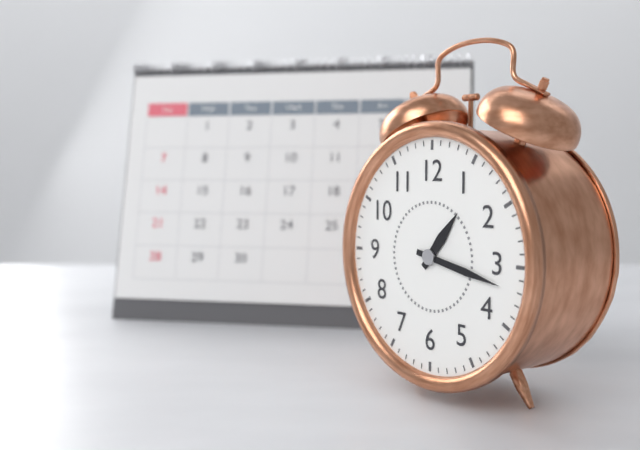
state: 1:17
